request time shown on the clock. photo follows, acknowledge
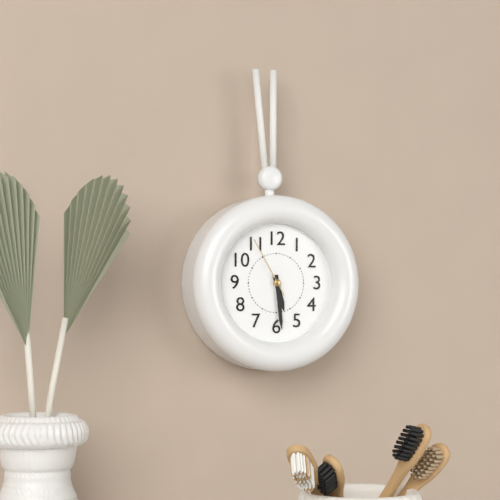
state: 5:29:55
